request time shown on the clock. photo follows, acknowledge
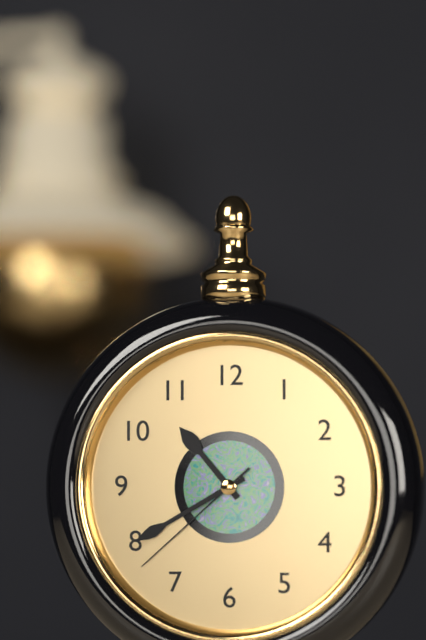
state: 10:40:38
